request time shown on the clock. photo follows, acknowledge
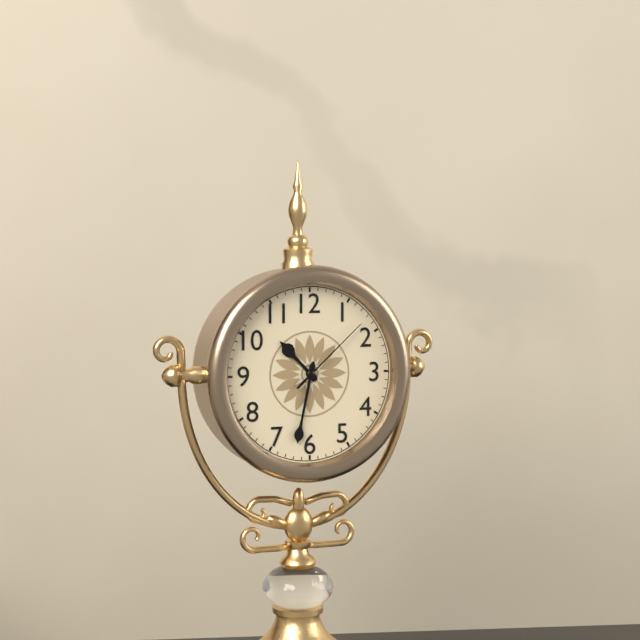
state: 10:32:08
